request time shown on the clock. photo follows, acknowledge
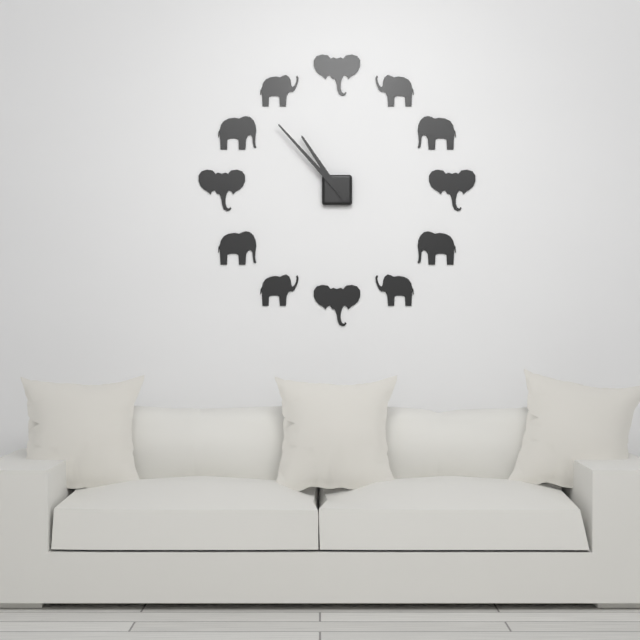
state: 10:53
